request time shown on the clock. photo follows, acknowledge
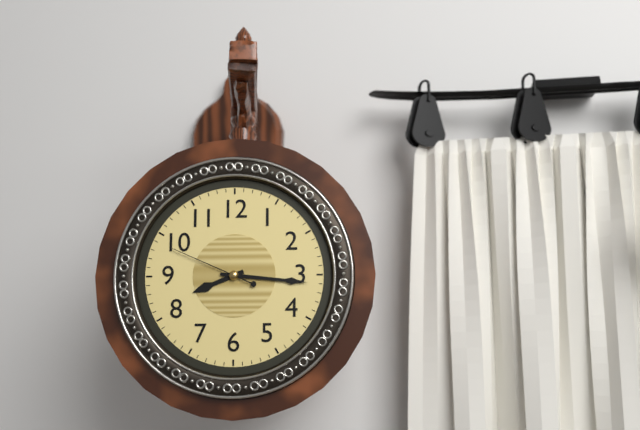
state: 8:16:49
